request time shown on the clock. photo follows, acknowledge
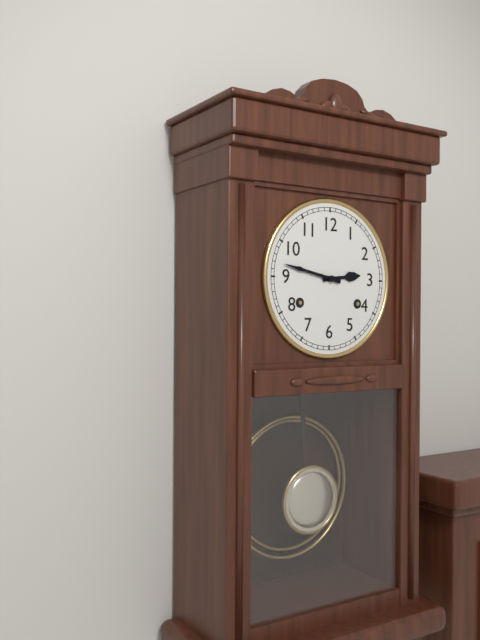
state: 2:47
